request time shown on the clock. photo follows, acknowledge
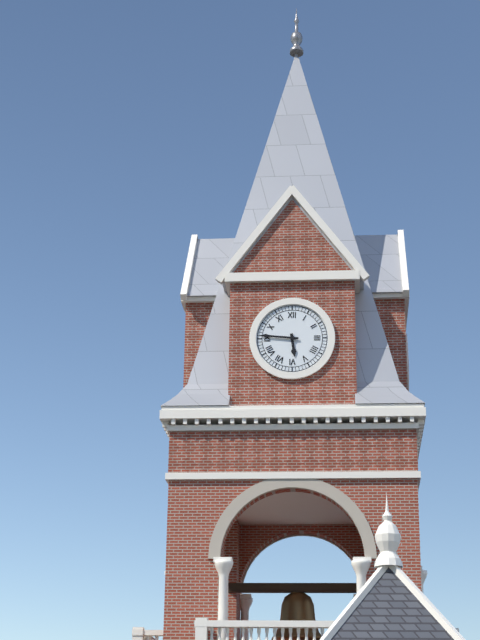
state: 5:46
